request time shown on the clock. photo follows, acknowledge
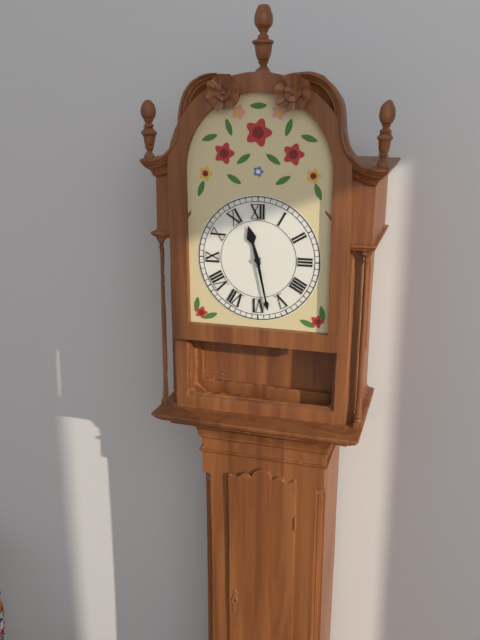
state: 11:28
